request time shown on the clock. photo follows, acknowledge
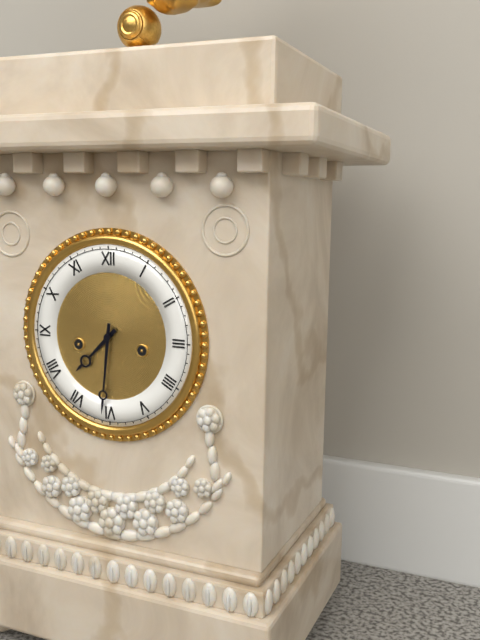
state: 7:31
